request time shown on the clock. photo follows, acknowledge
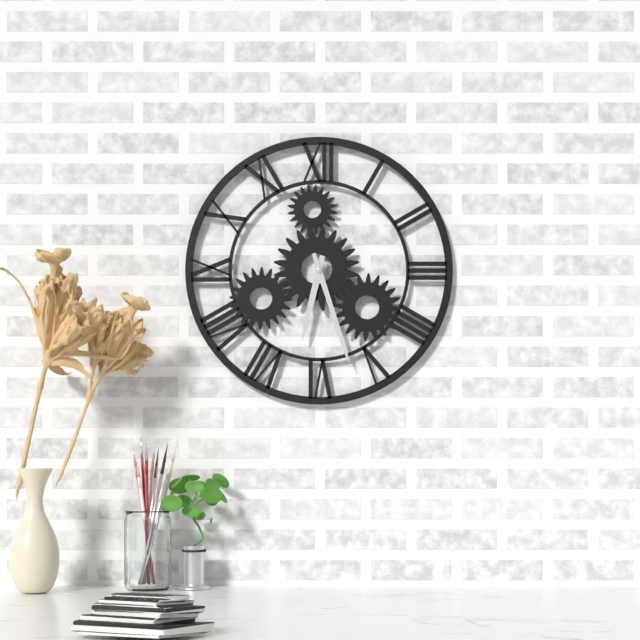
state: 6:27
